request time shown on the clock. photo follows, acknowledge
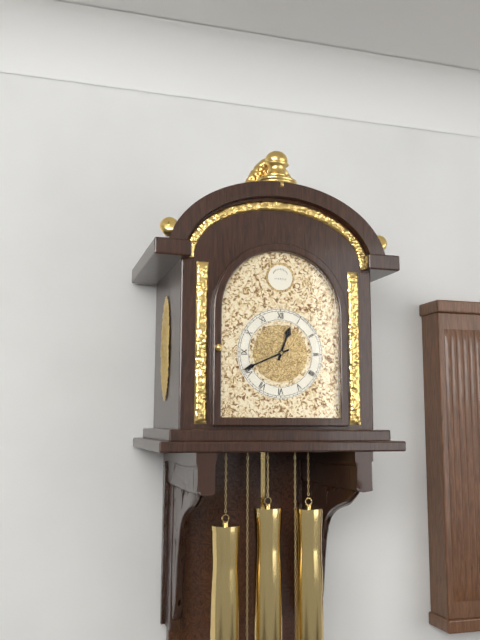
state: 12:41
